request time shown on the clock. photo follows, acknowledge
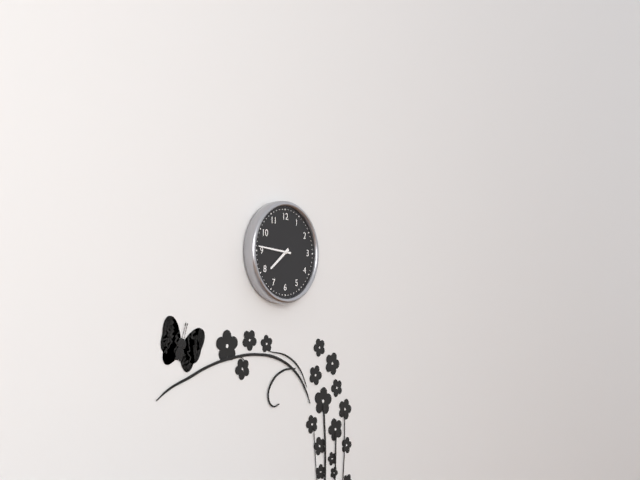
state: 7:46
